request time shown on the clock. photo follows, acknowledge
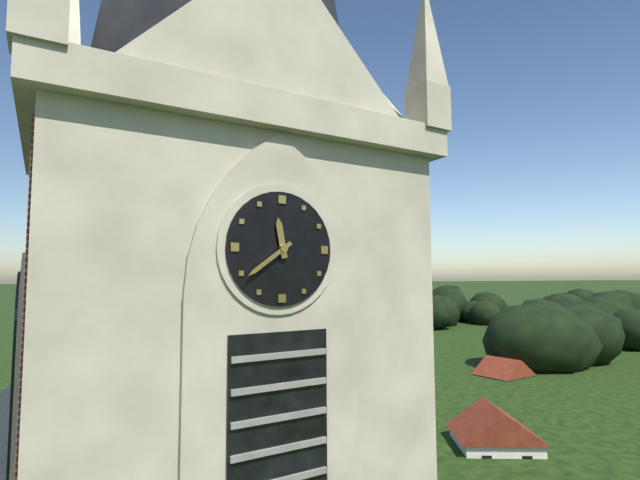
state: 11:39
